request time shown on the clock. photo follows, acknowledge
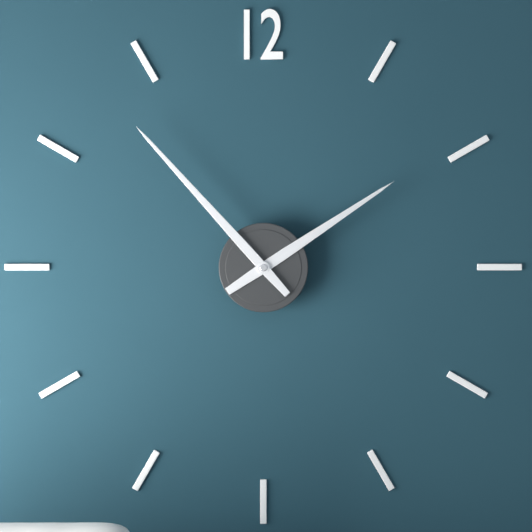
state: 1:53
